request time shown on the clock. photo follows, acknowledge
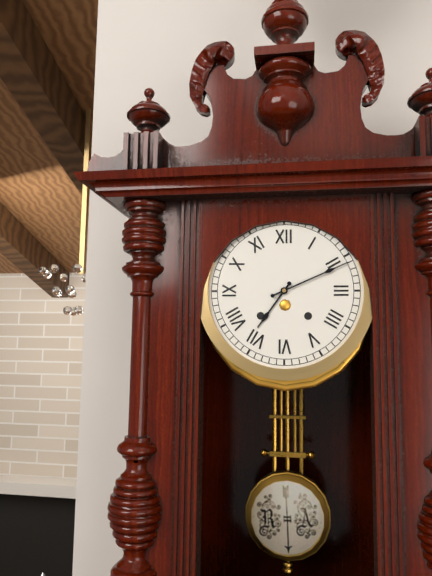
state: 7:11
